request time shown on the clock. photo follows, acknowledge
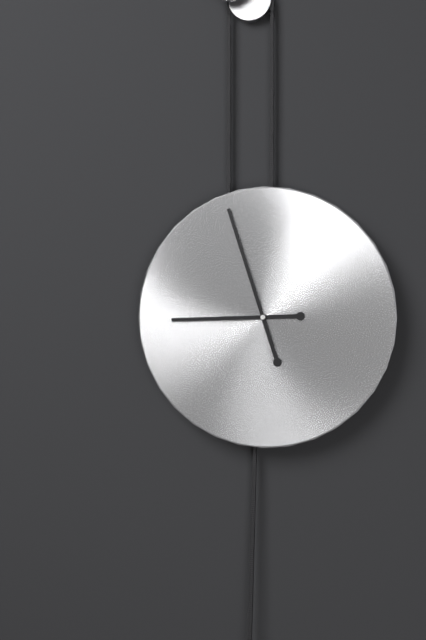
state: 8:57
